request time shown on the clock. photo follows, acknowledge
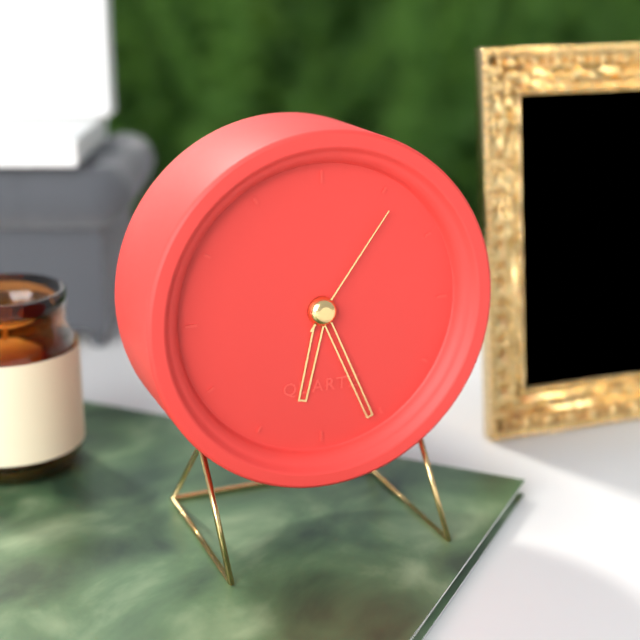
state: 6:26:06
